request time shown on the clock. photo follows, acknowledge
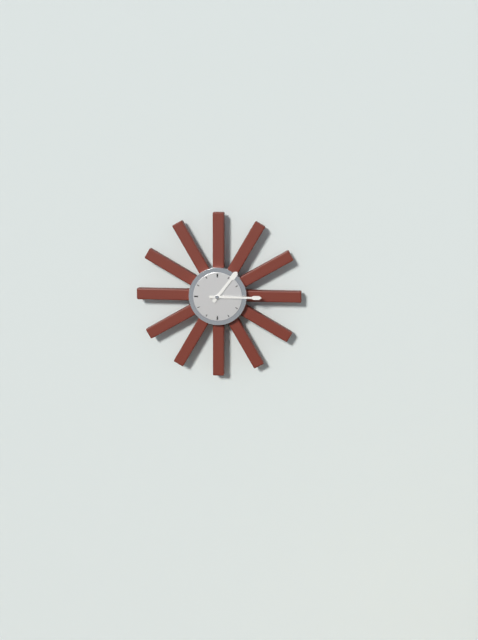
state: 1:15
